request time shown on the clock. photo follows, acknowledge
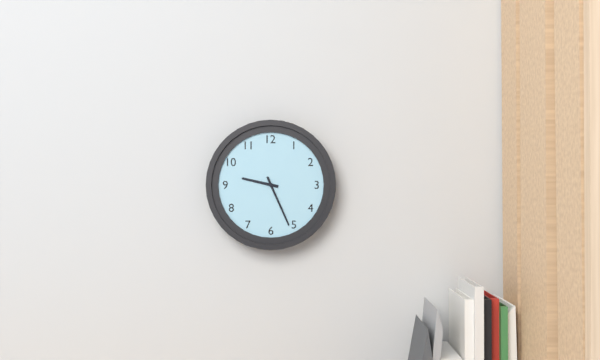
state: 9:26
